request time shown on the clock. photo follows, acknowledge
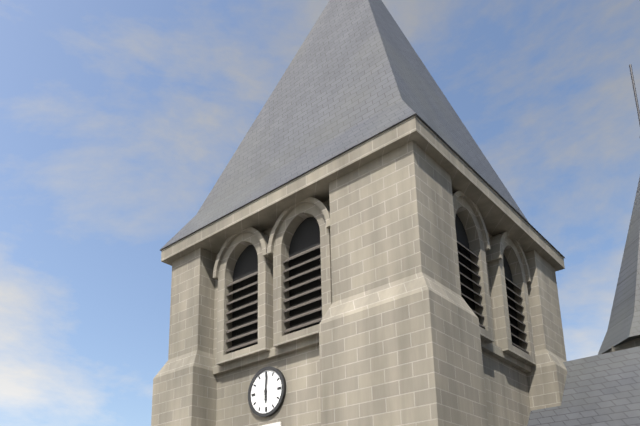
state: 6:01
